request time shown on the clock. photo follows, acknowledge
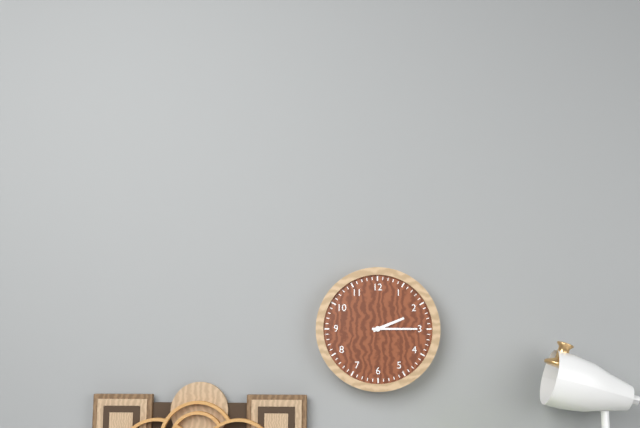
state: 2:15
